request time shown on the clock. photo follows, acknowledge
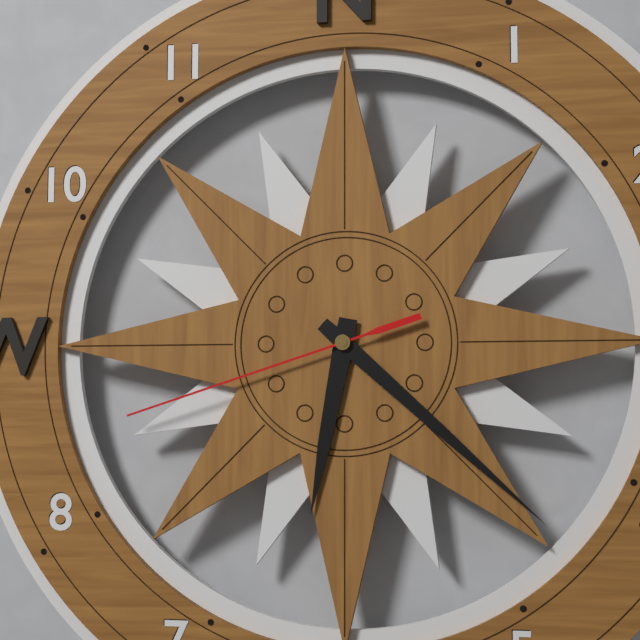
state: 6:22:42
